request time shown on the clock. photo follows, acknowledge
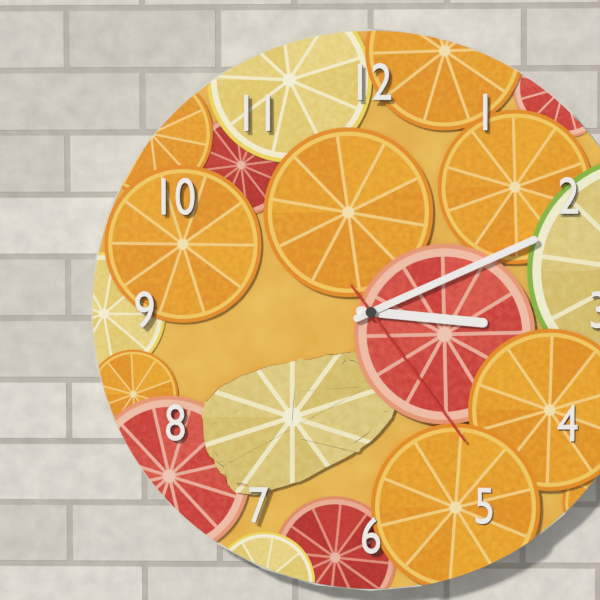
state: 3:11:24
